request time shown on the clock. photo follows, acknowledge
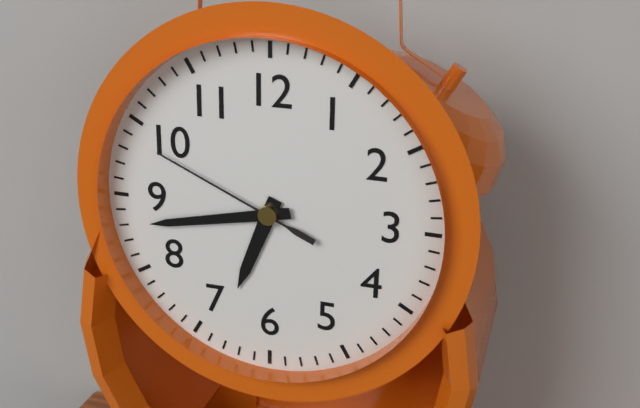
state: 6:43:49
